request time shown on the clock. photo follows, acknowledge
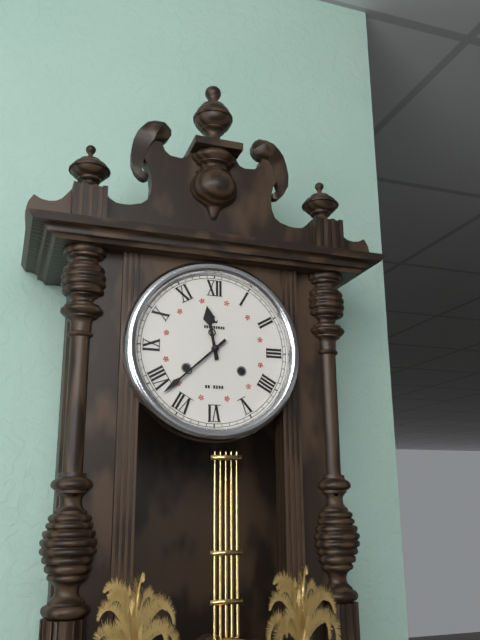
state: 11:38
